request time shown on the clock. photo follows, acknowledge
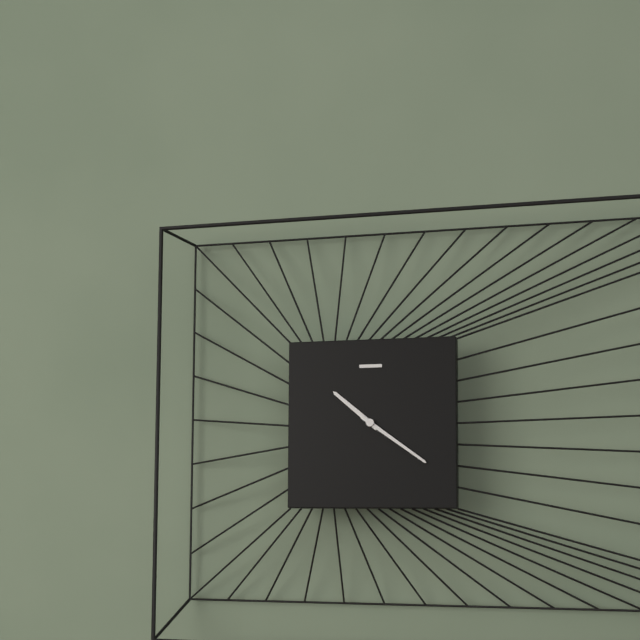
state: 10:21
